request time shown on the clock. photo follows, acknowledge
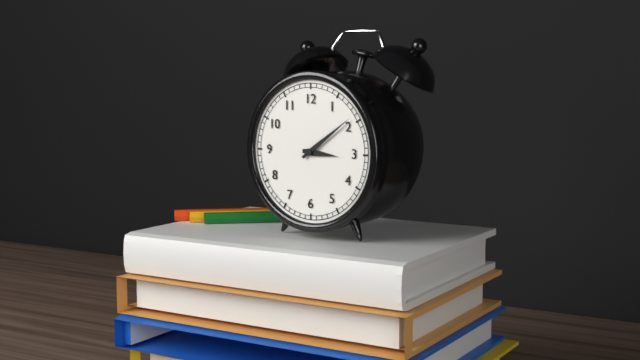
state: 3:09
